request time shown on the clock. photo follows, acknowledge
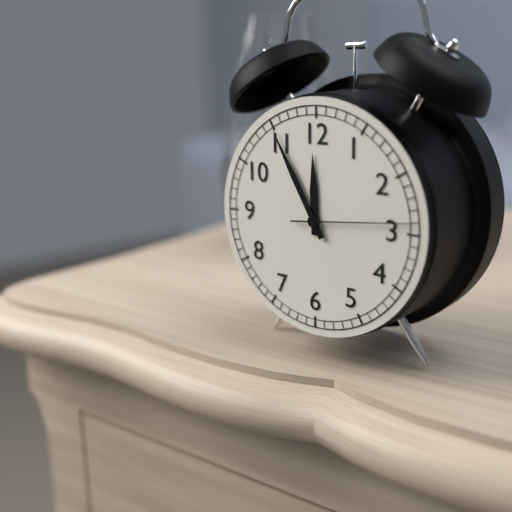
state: 11:55:14
